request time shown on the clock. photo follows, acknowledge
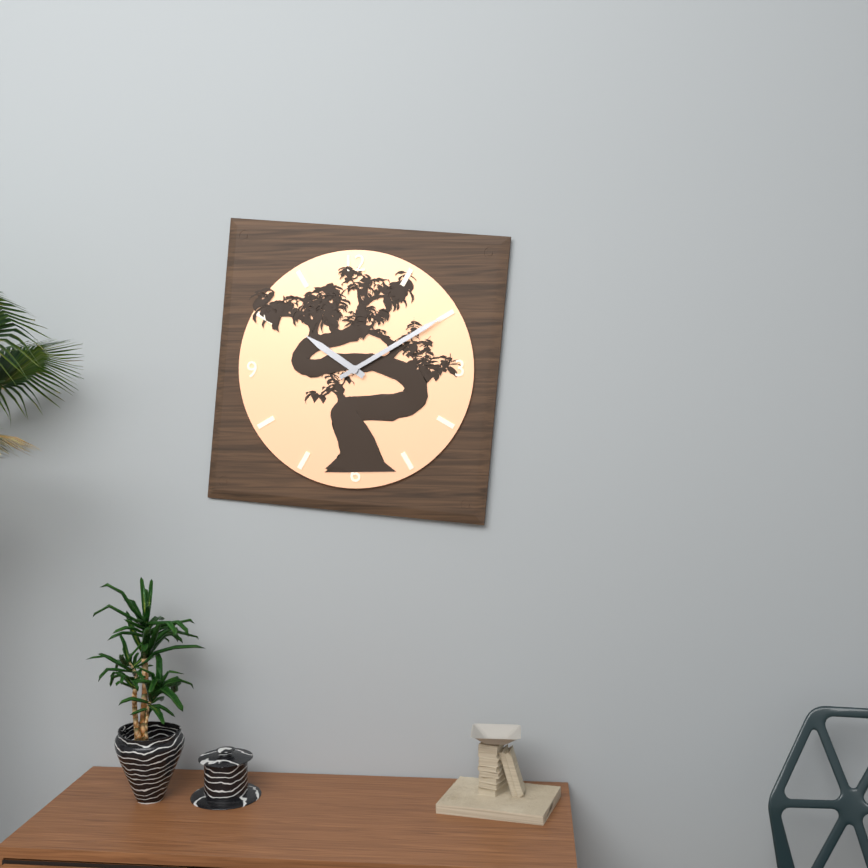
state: 10:10
